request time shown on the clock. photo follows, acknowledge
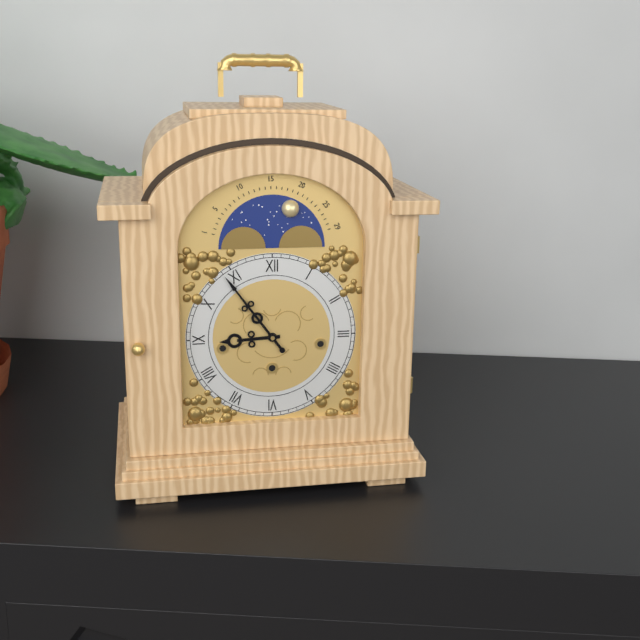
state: 8:54
